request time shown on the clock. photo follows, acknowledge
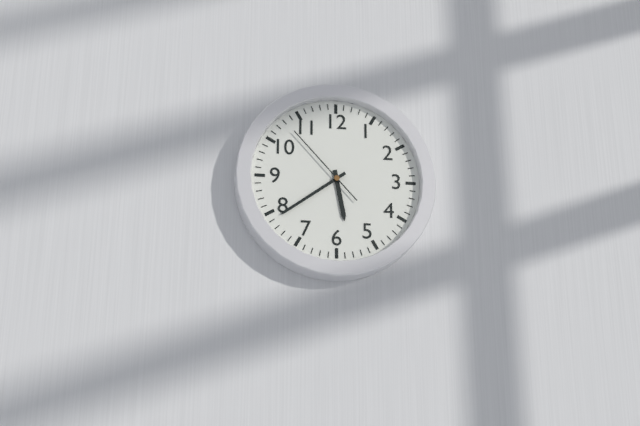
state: 5:39:53
